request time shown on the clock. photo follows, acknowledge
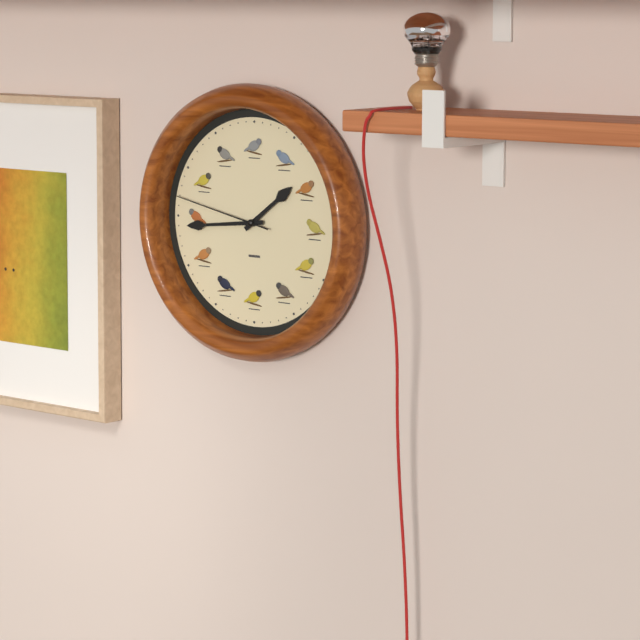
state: 1:44:47
